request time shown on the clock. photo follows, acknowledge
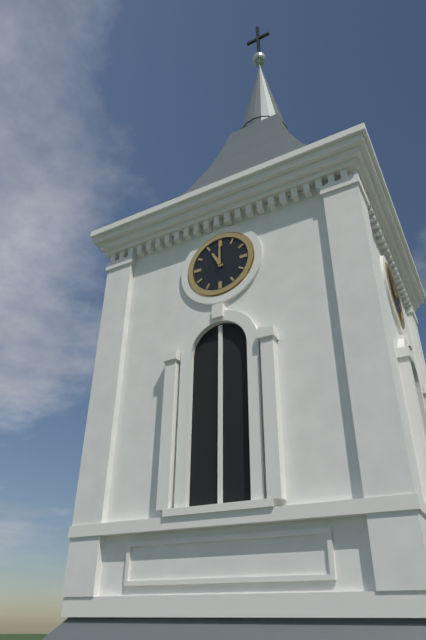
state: 11:00
